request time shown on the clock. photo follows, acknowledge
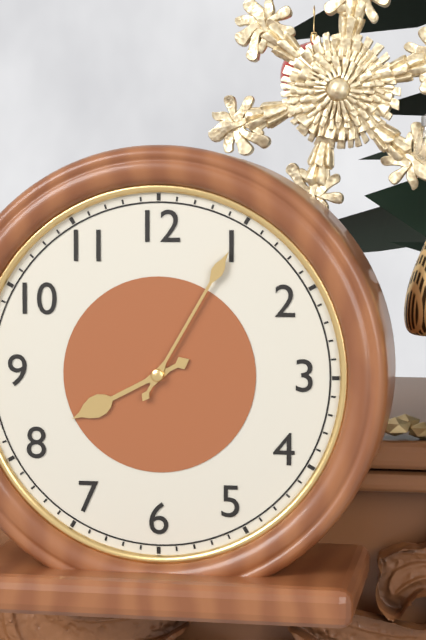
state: 8:05
